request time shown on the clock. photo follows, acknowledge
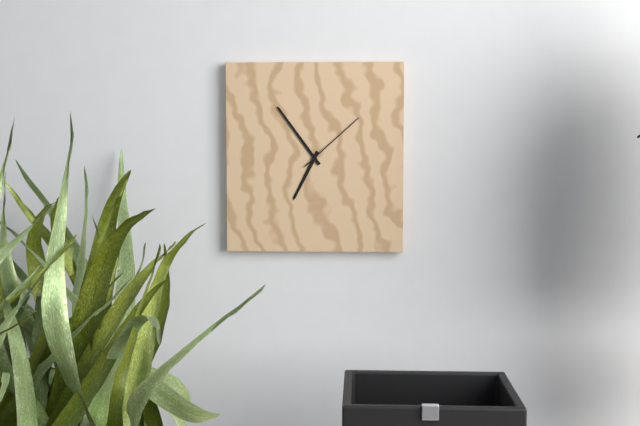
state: 6:54:08
